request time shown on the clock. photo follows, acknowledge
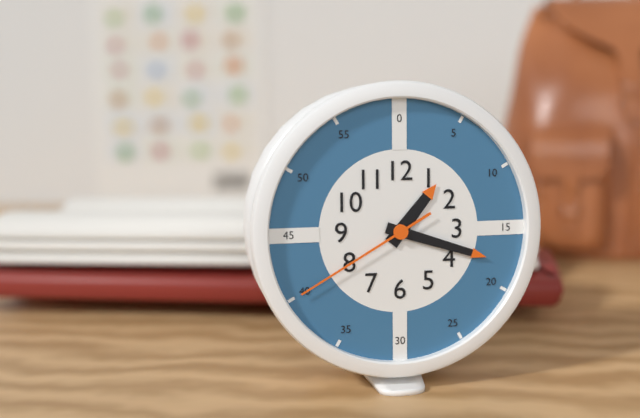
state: 1:18:40
